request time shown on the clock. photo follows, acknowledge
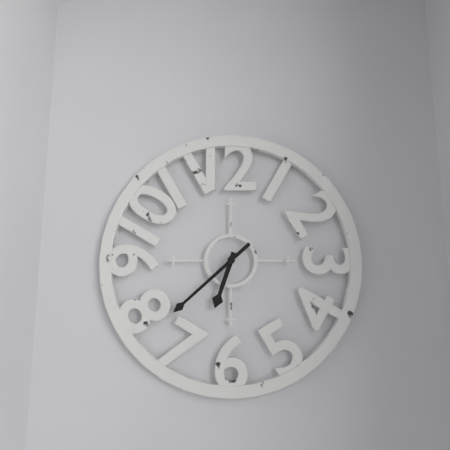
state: 6:38
